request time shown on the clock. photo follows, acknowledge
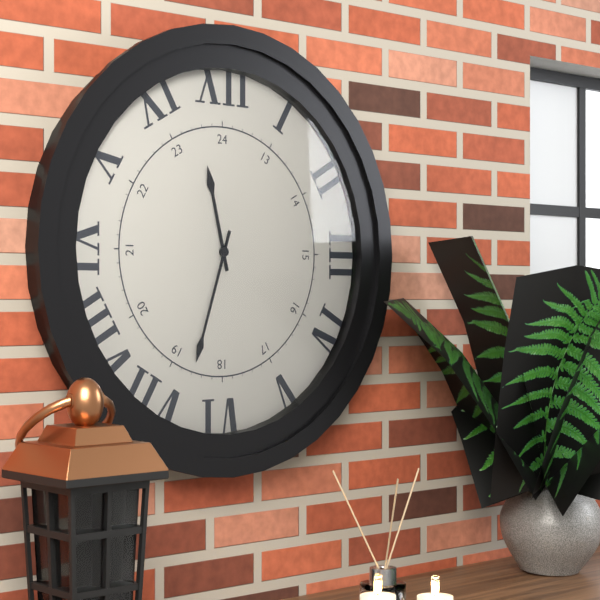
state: 11:33
